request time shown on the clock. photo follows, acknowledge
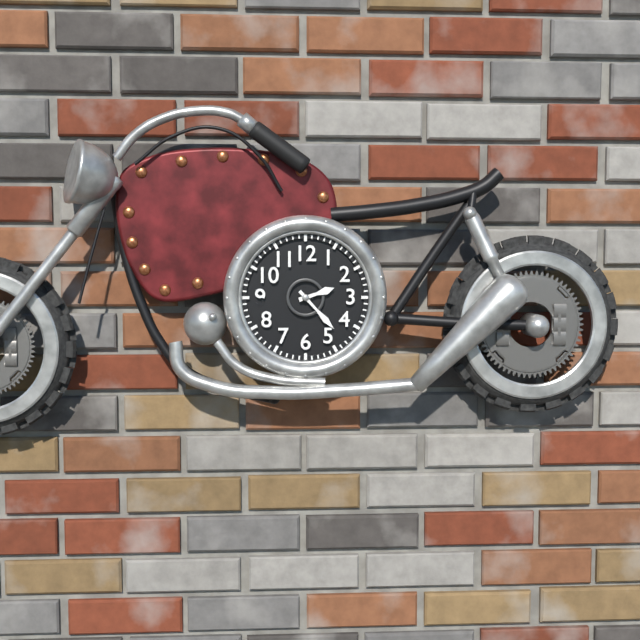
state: 2:23
